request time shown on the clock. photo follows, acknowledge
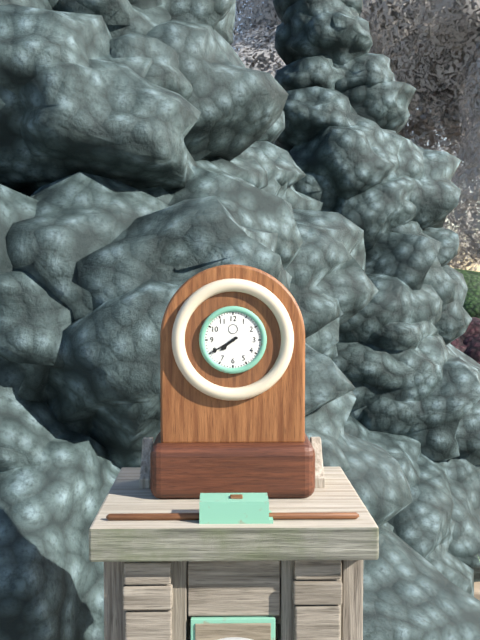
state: 7:40
